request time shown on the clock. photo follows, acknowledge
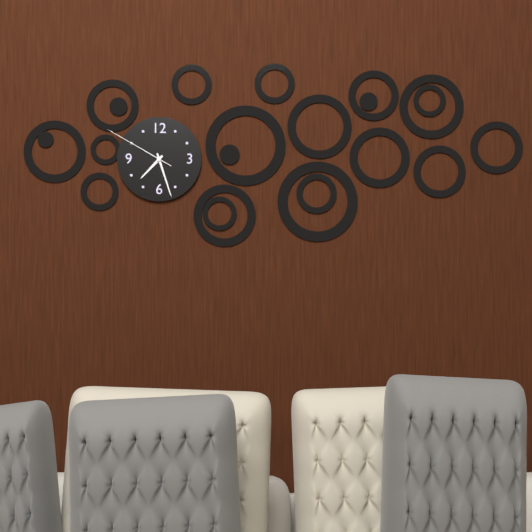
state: 7:27:50
